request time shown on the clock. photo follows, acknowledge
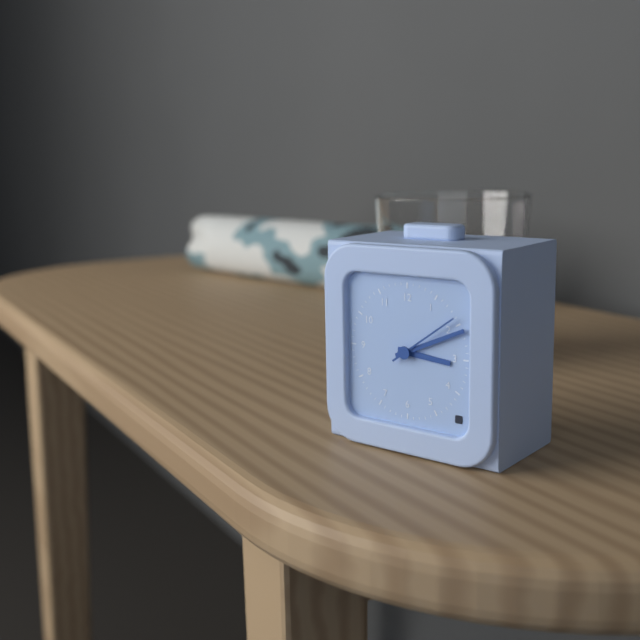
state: 3:11:09
